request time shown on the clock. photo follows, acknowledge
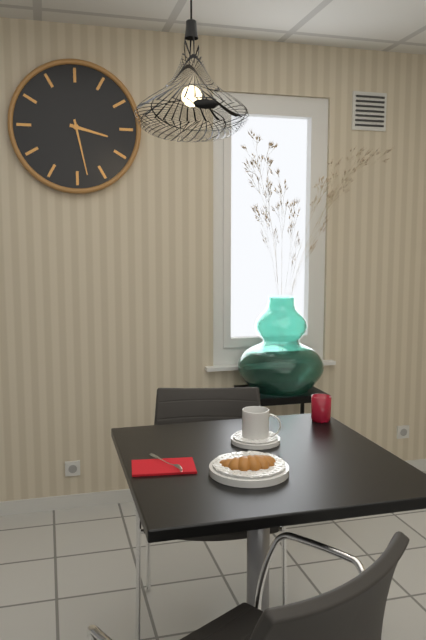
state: 3:28
